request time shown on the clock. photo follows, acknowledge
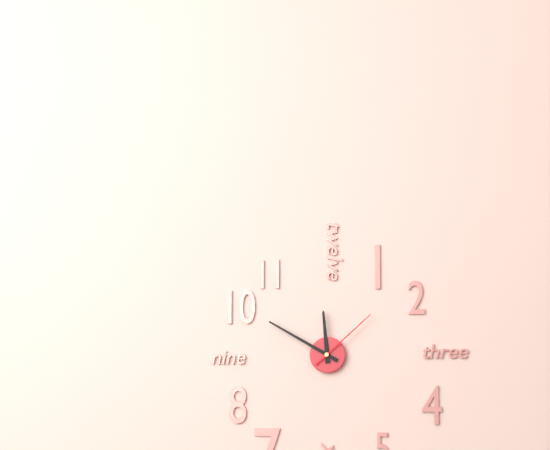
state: 11:50:08
